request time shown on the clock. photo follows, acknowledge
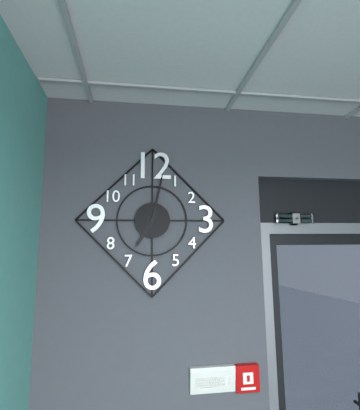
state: 7:02
